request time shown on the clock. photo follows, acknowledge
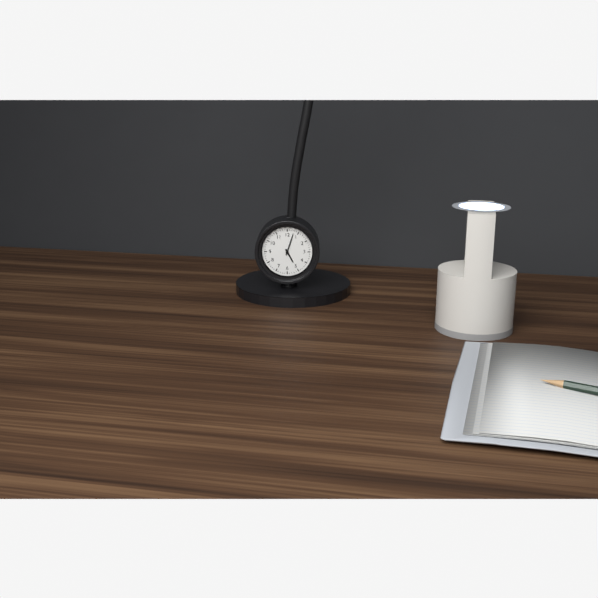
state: 5:03
